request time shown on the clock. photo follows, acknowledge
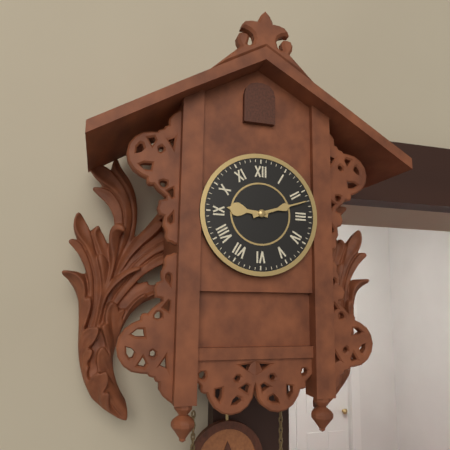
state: 9:12
